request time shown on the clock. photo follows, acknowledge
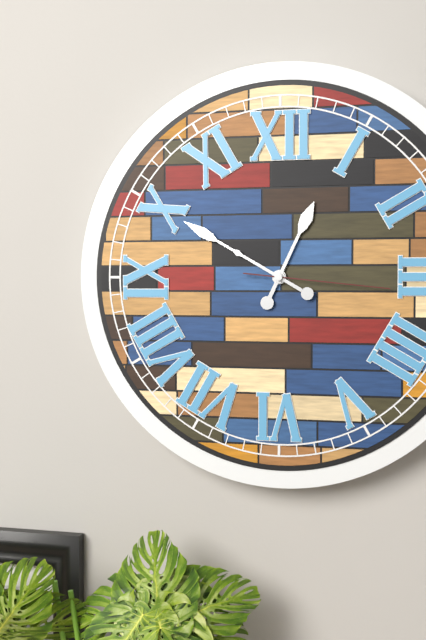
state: 12:50:16
